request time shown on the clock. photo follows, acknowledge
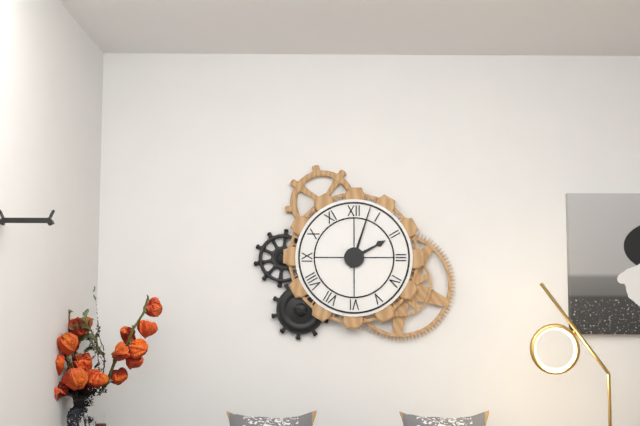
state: 2:03
